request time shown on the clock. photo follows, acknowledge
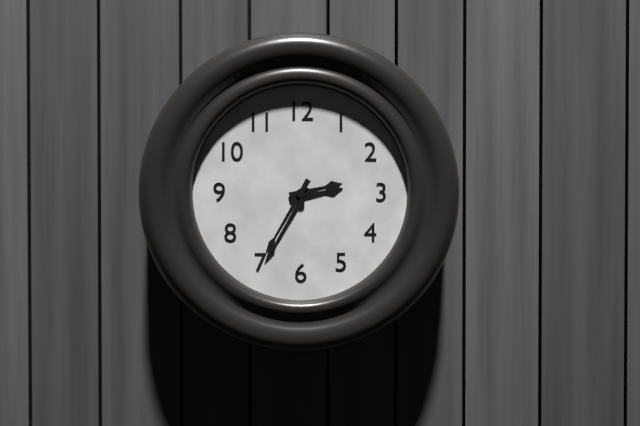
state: 2:35
